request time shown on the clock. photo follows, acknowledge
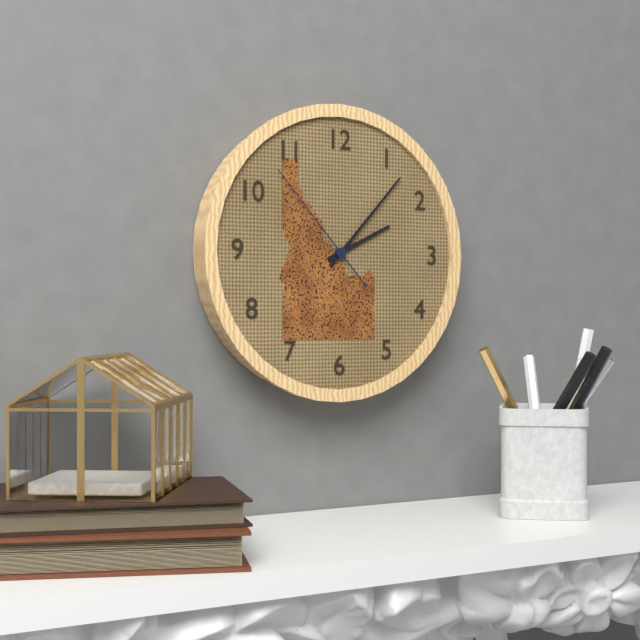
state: 2:07:53
